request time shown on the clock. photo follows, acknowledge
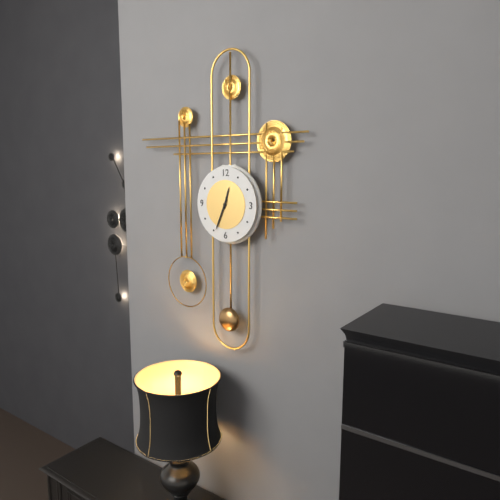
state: 12:34
